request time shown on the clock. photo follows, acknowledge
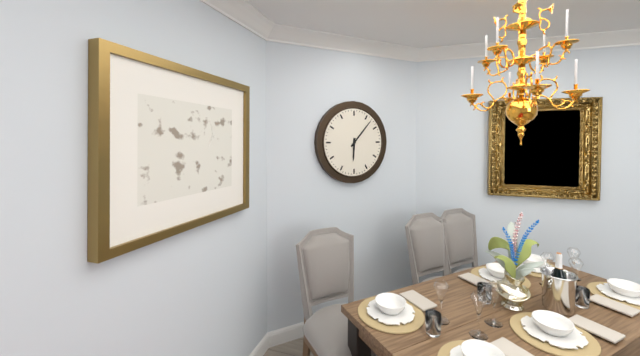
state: 6:07
